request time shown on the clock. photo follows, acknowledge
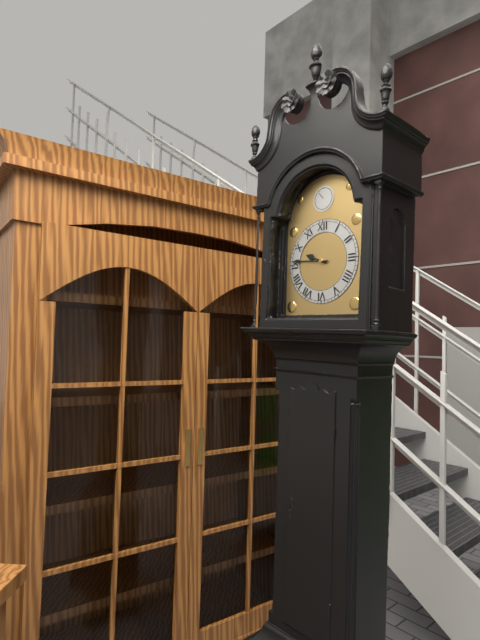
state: 9:46
